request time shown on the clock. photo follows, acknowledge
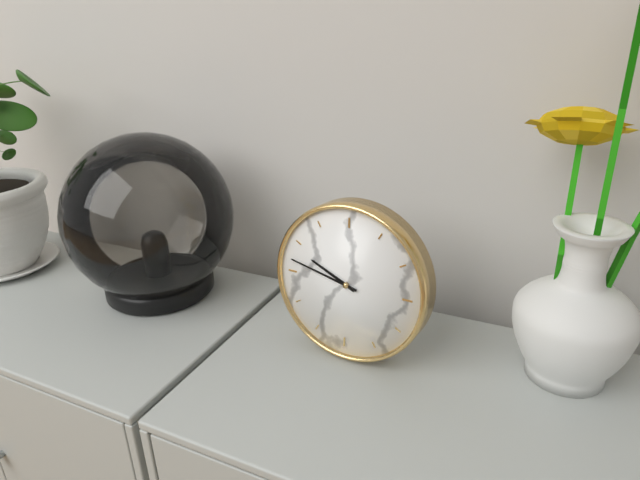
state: 9:47
